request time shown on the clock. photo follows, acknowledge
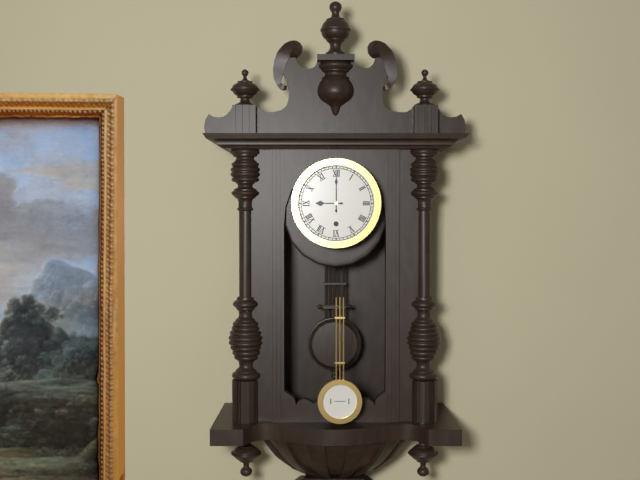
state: 9:00
